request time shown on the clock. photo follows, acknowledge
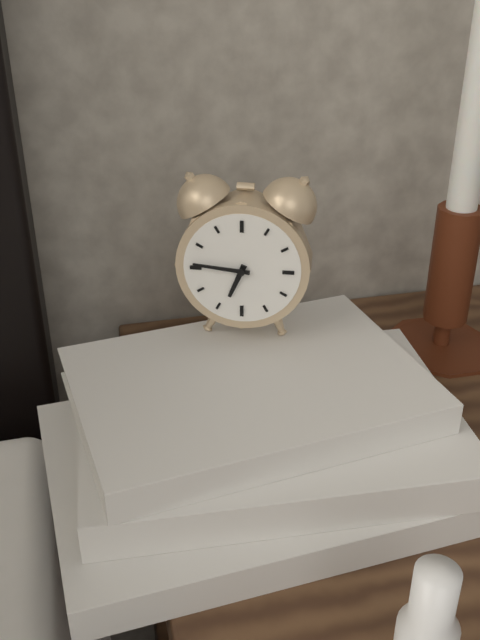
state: 6:46
